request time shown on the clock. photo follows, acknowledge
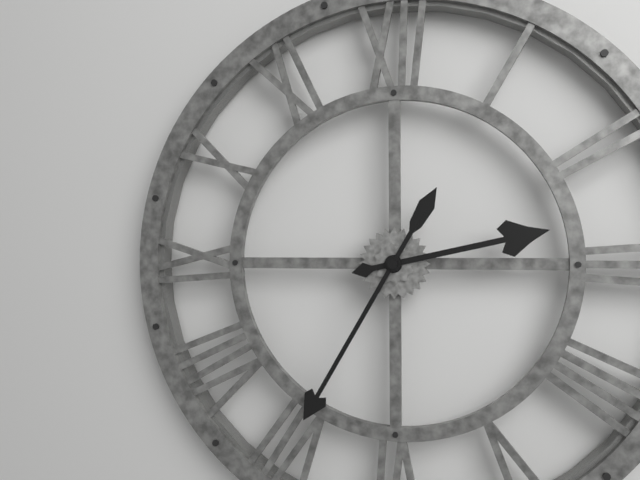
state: 2:35
